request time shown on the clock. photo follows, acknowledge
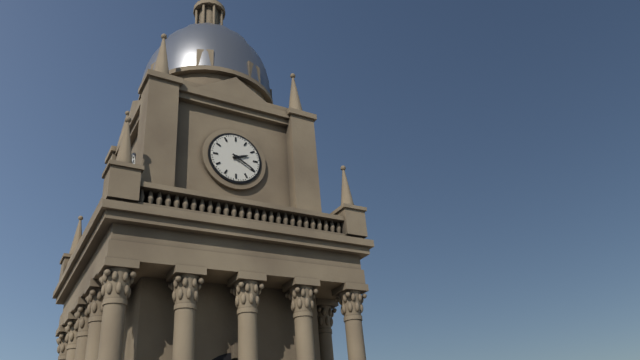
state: 2:20
